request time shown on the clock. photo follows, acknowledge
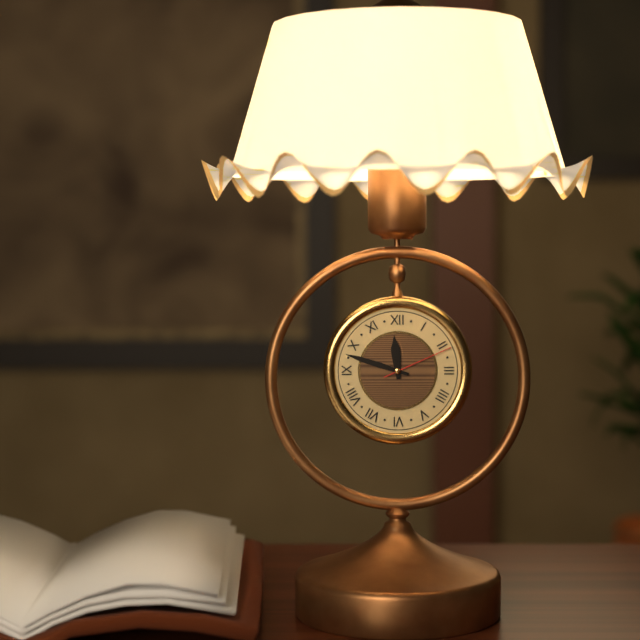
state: 11:48:11
